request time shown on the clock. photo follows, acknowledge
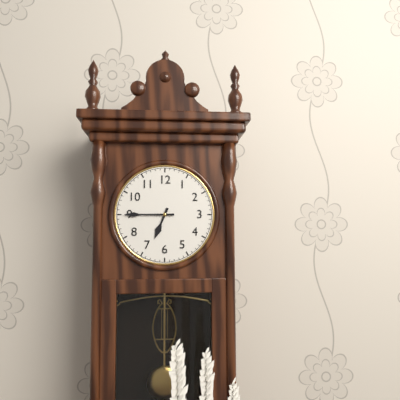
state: 6:45
